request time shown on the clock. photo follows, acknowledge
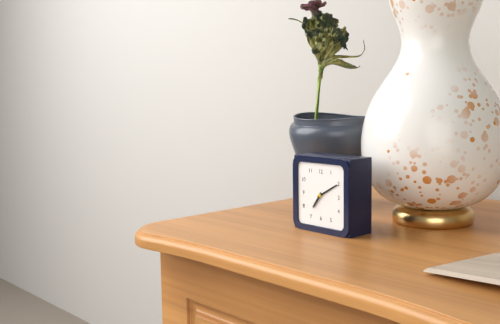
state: 7:10
